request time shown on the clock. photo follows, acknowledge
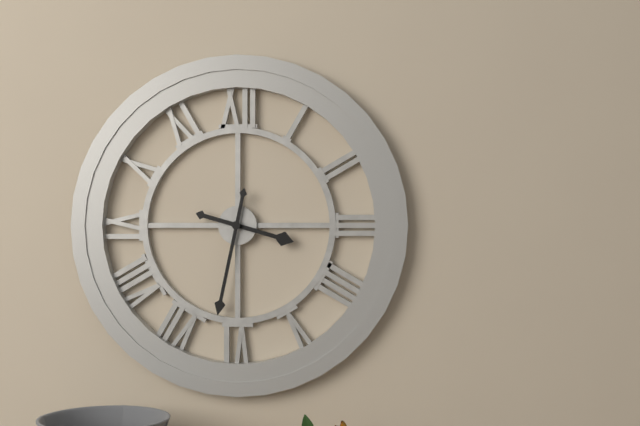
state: 3:32
